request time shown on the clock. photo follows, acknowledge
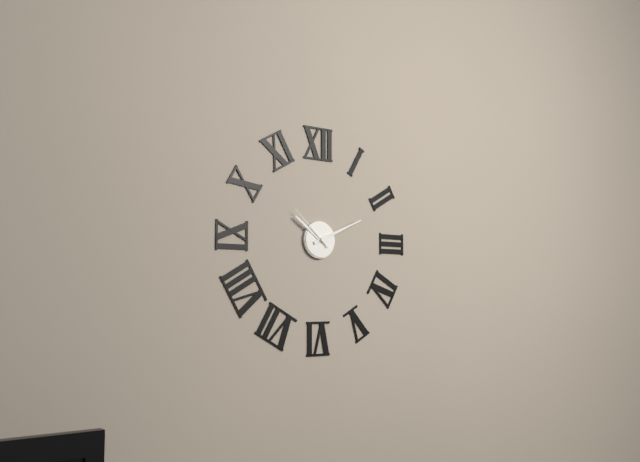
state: 10:11
